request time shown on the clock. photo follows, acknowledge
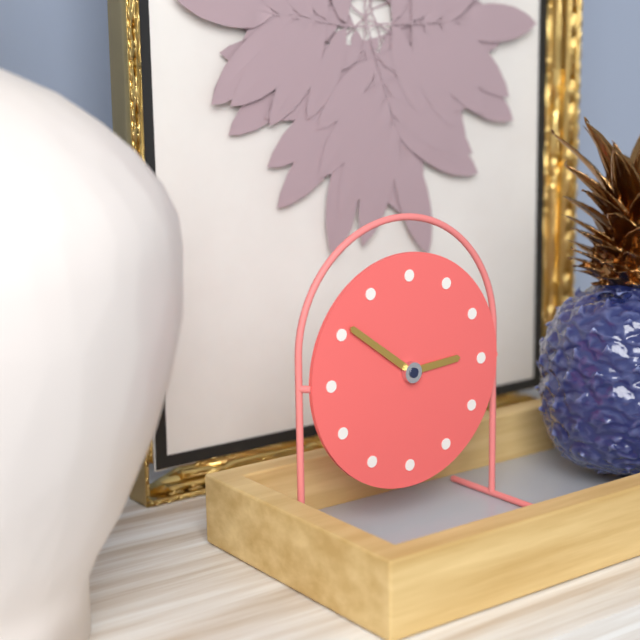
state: 2:51
